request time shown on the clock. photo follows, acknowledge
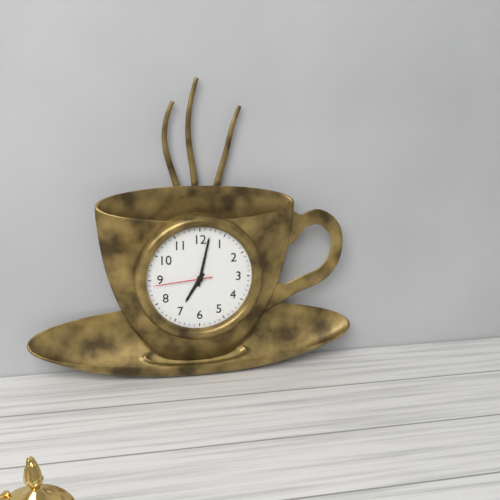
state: 7:02:44
